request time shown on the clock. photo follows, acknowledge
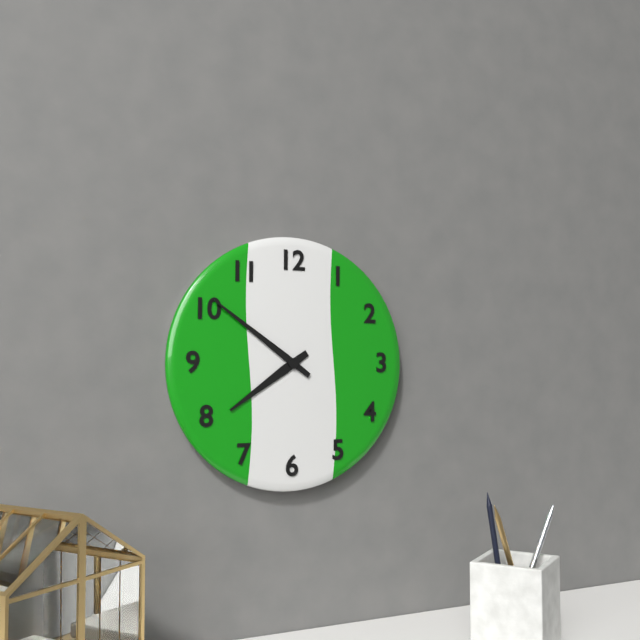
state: 7:51
